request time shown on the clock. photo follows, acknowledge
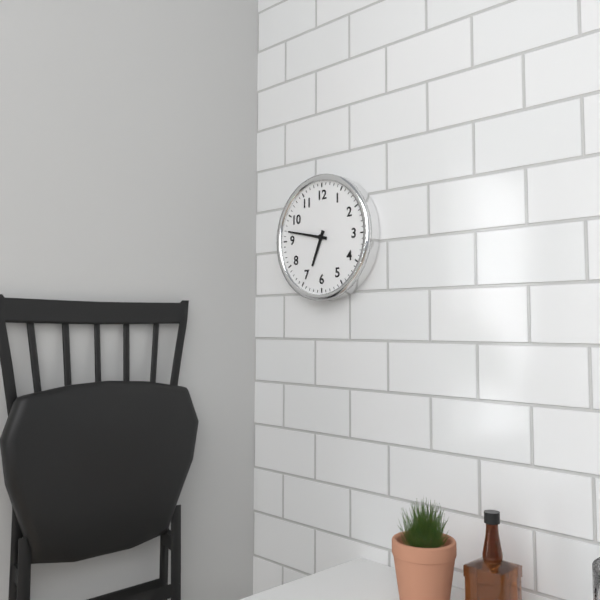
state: 6:47
